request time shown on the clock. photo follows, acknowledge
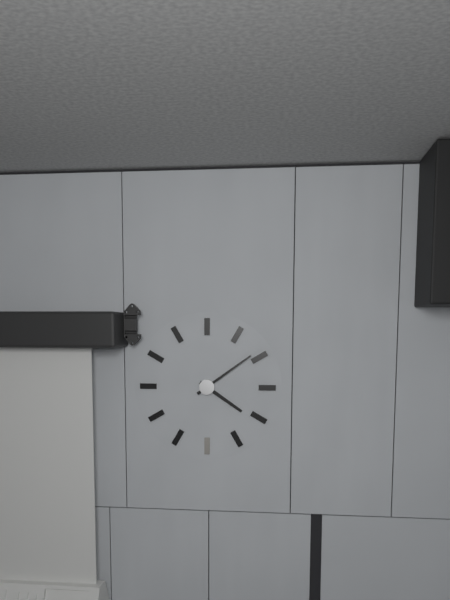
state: 4:09
